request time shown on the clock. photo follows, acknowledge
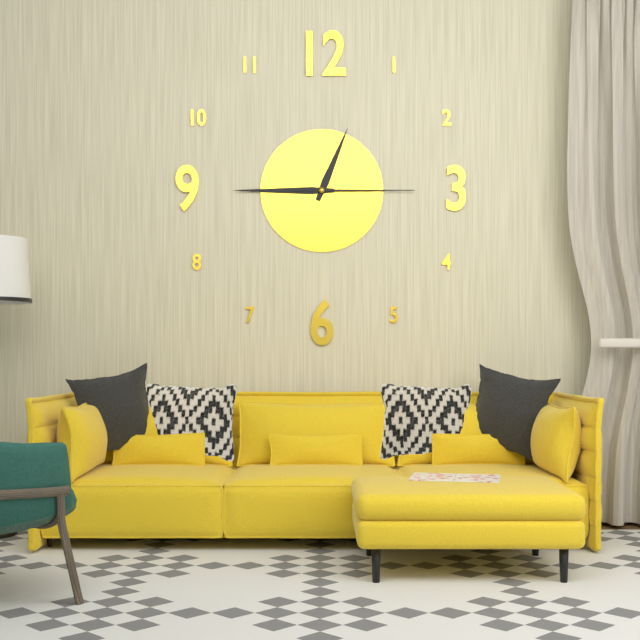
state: 12:45:15
